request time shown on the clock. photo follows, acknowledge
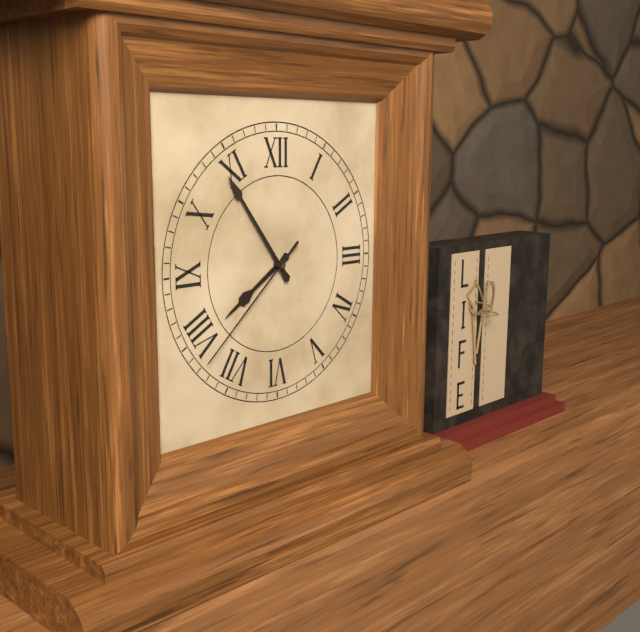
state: 7:54:38
